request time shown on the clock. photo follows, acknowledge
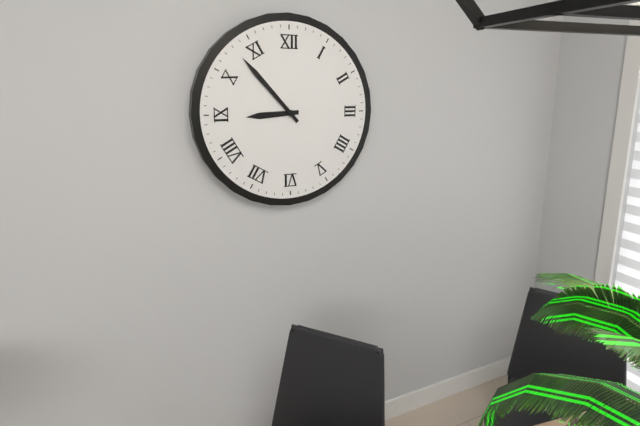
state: 8:53
